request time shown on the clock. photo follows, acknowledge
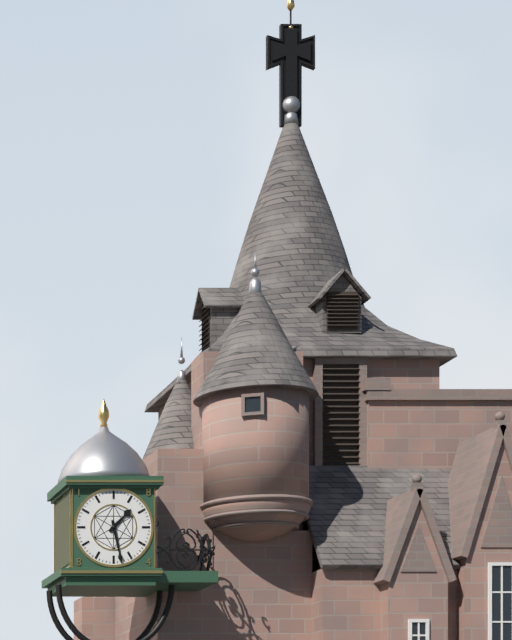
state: 1:28
